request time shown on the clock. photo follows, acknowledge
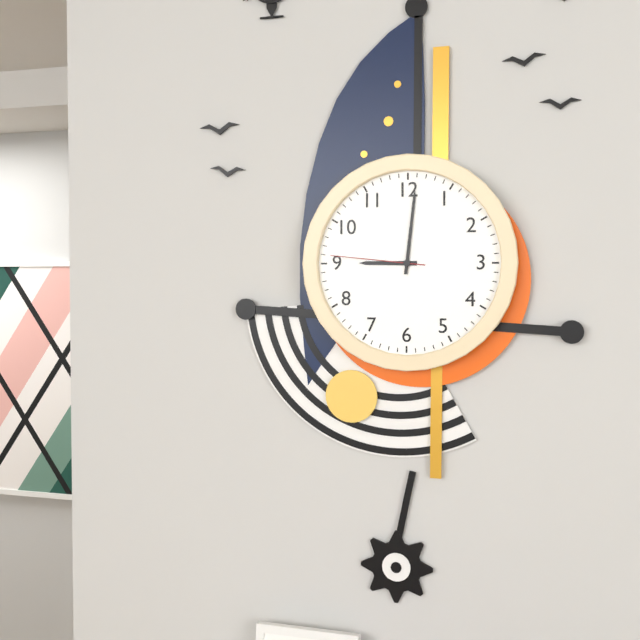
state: 9:01:46
